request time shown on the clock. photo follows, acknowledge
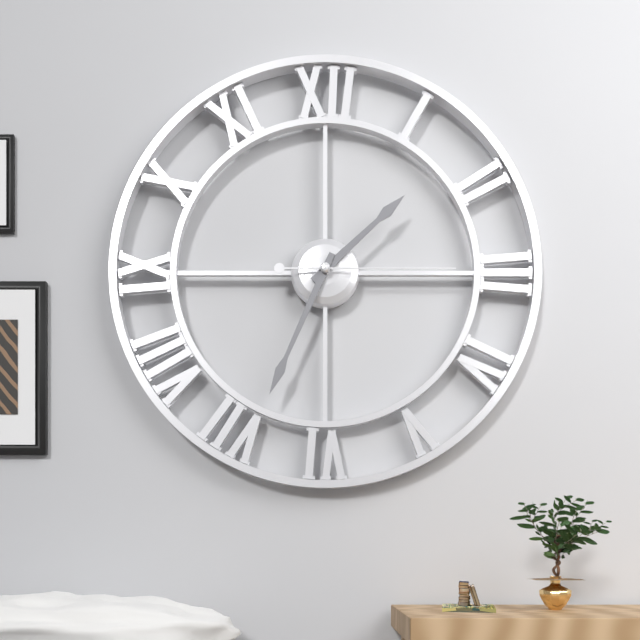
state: 1:34:15
